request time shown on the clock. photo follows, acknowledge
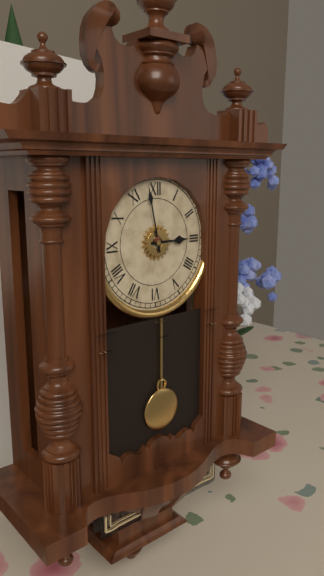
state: 2:58
